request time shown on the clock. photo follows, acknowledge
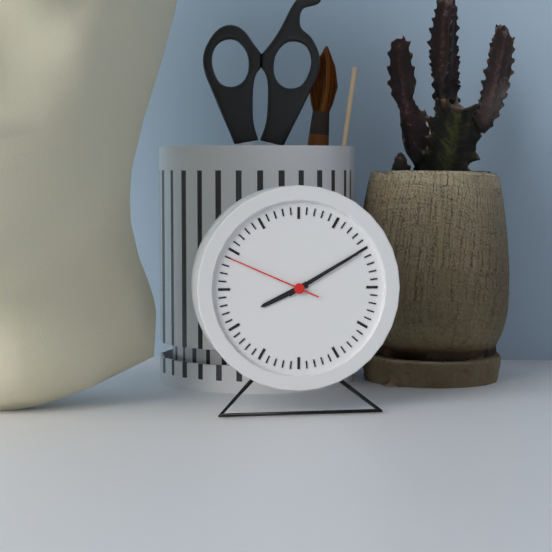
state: 8:10:49
